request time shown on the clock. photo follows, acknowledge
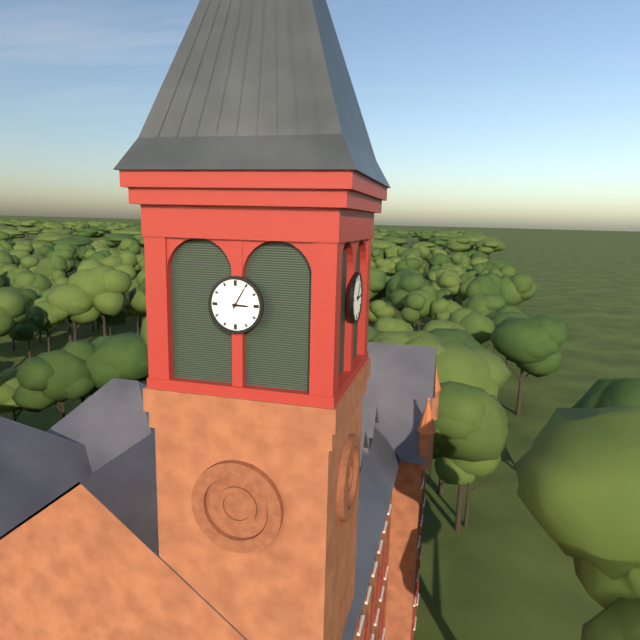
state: 3:05
